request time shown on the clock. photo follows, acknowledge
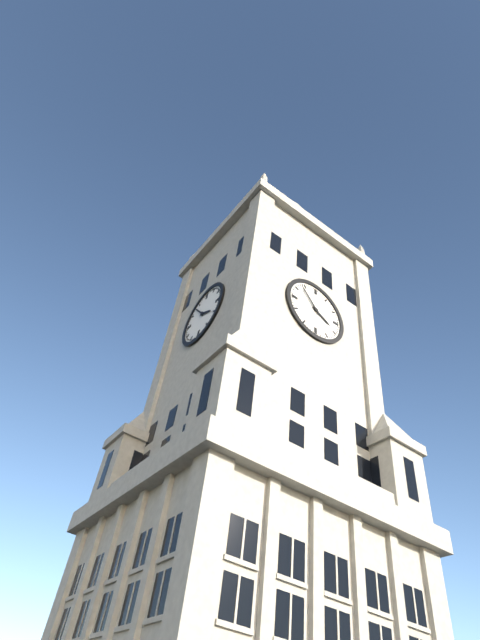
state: 3:53
